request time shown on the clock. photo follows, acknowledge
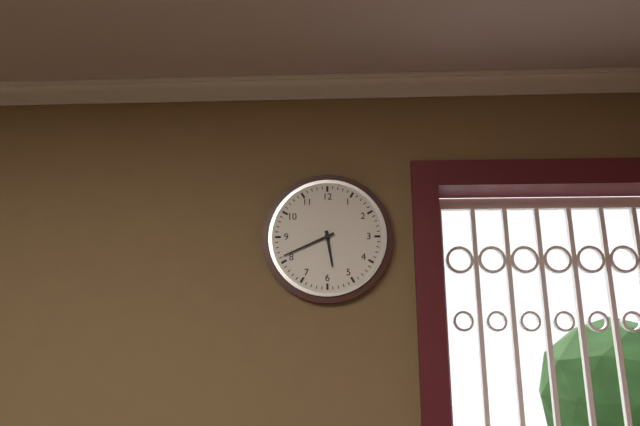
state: 5:41
